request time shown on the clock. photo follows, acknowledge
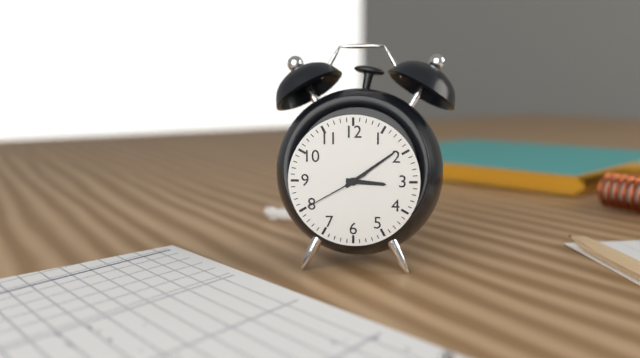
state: 3:09:40
